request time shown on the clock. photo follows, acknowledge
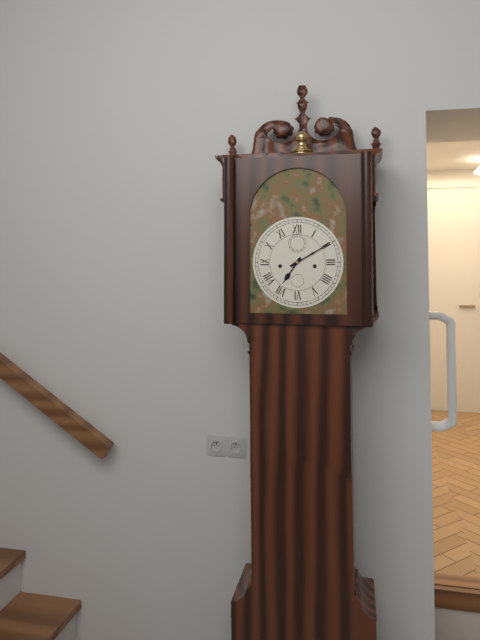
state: 7:10
